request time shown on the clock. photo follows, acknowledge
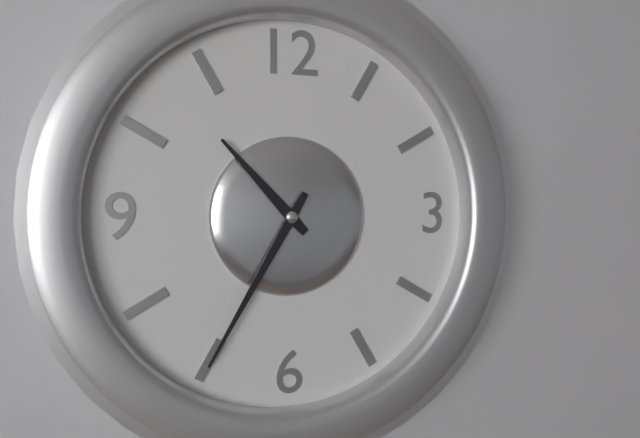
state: 10:35
